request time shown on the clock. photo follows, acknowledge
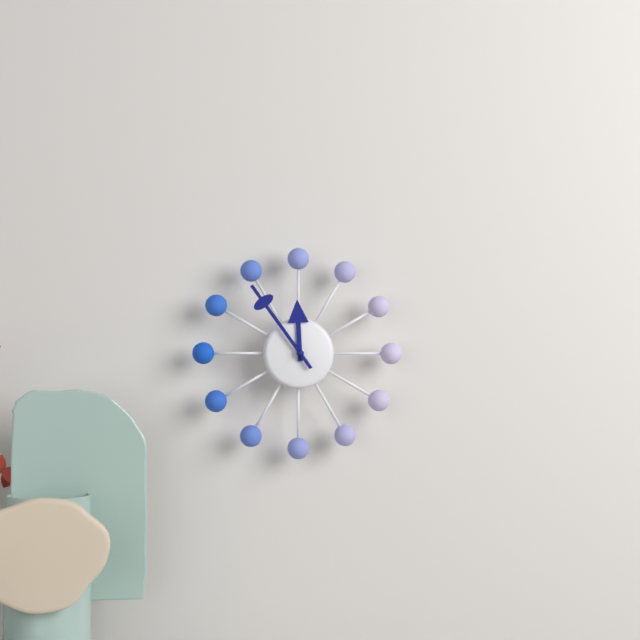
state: 11:54
